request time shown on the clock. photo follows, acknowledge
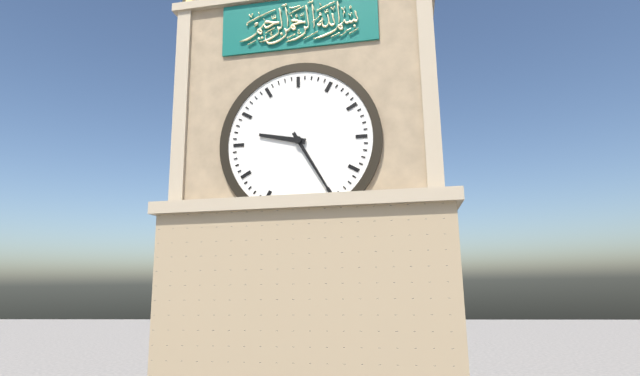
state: 9:25
